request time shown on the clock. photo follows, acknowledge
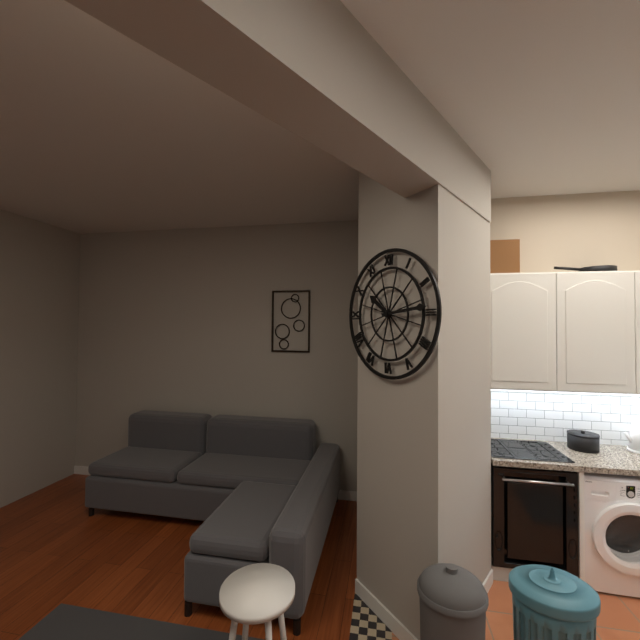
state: 10:14
